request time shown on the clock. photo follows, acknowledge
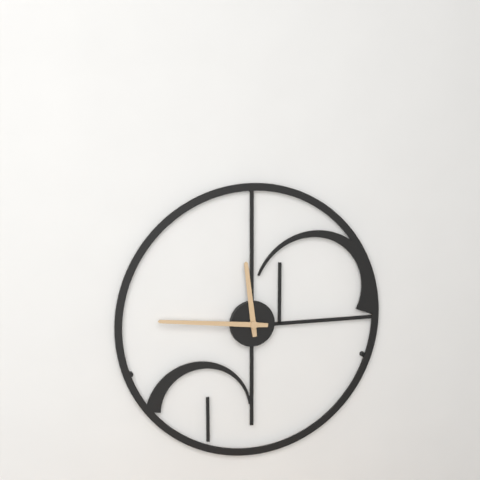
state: 11:46
